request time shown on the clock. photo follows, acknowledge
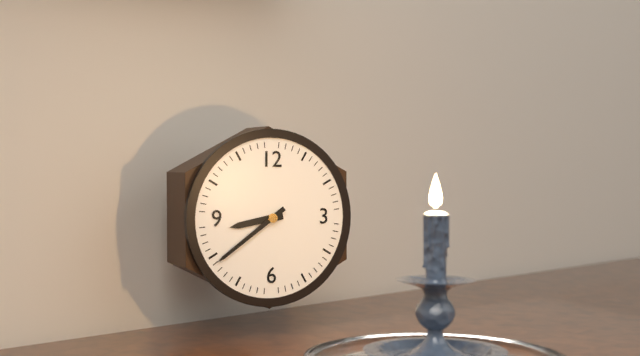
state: 8:39
